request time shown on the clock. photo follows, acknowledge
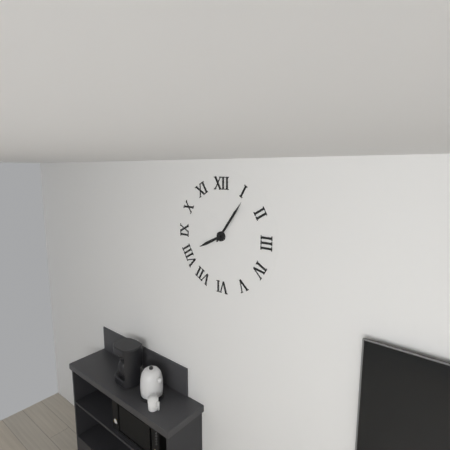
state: 8:06
